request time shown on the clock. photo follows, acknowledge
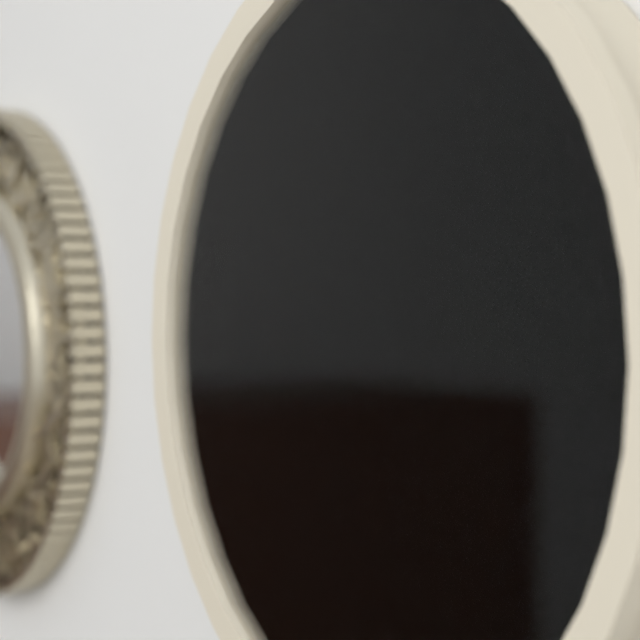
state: 5:48:43
